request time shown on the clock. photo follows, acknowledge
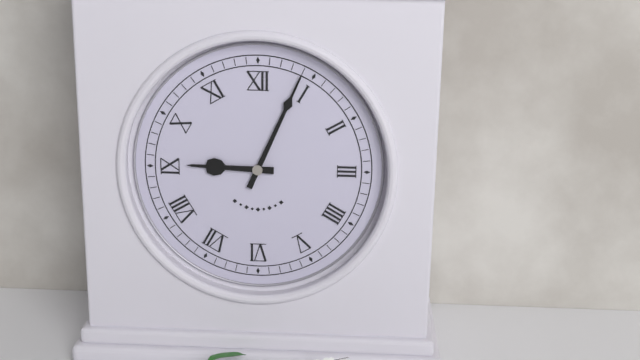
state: 9:04
